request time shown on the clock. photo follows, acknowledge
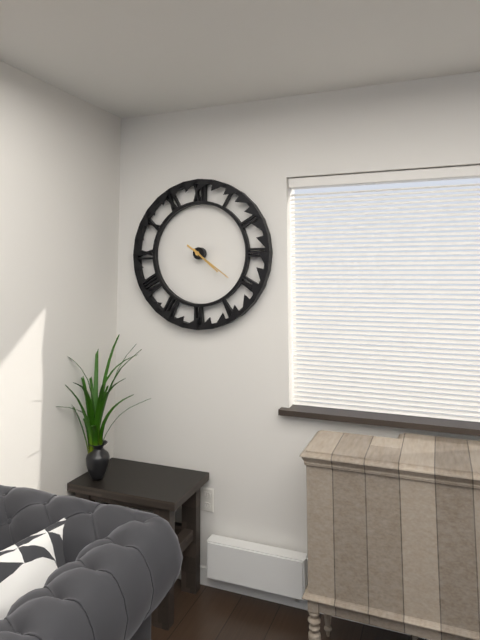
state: 4:21
